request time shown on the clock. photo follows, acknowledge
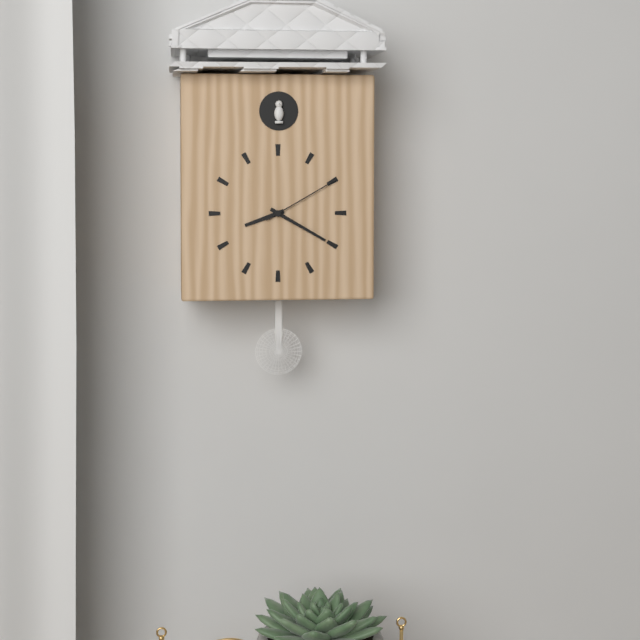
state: 8:20:10
